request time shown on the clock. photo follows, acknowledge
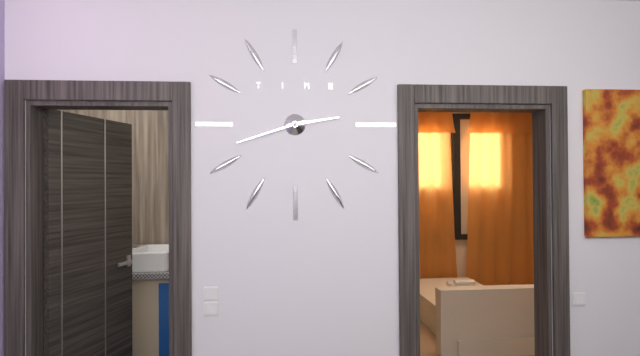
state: 2:42
